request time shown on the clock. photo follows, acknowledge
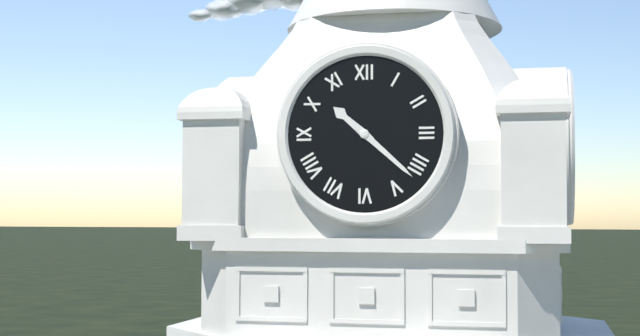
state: 10:22
